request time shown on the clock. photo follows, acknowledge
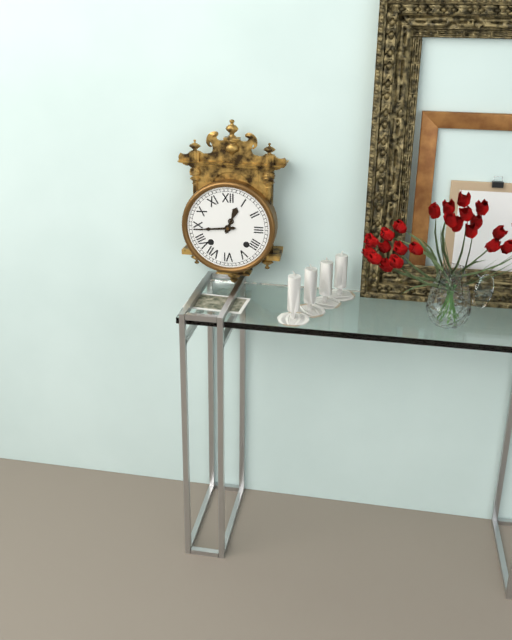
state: 12:44
